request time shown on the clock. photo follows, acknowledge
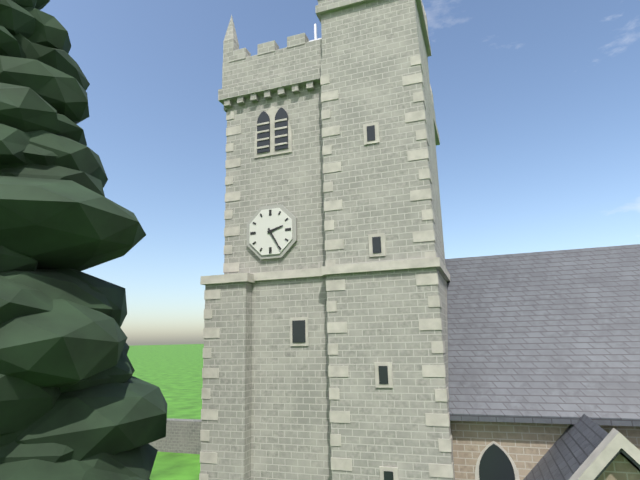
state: 2:25
